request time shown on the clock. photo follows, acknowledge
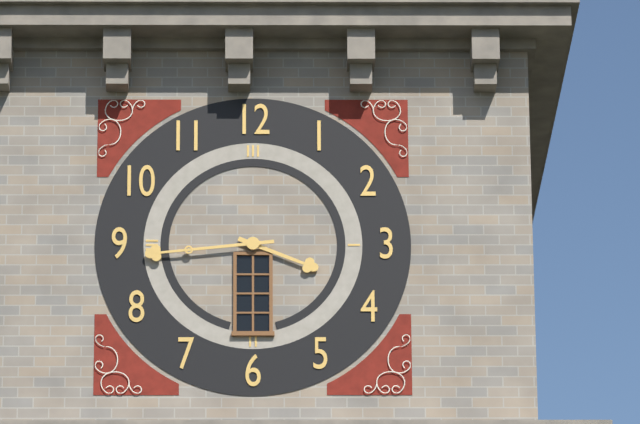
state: 3:44
